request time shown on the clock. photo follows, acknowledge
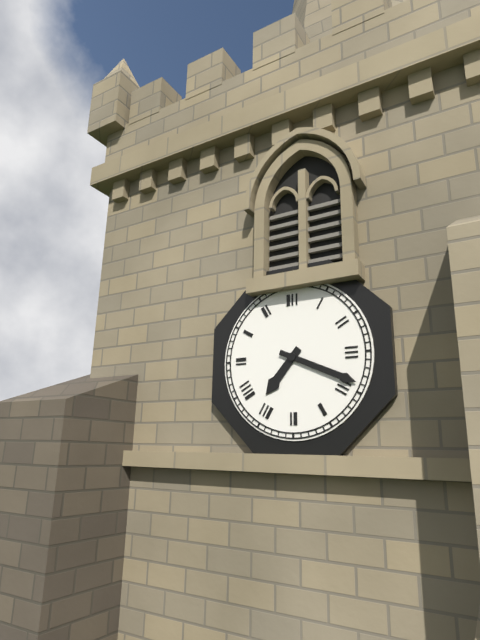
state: 7:19
